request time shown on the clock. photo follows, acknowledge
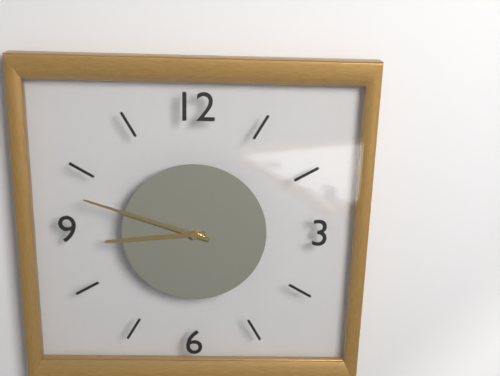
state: 8:48
